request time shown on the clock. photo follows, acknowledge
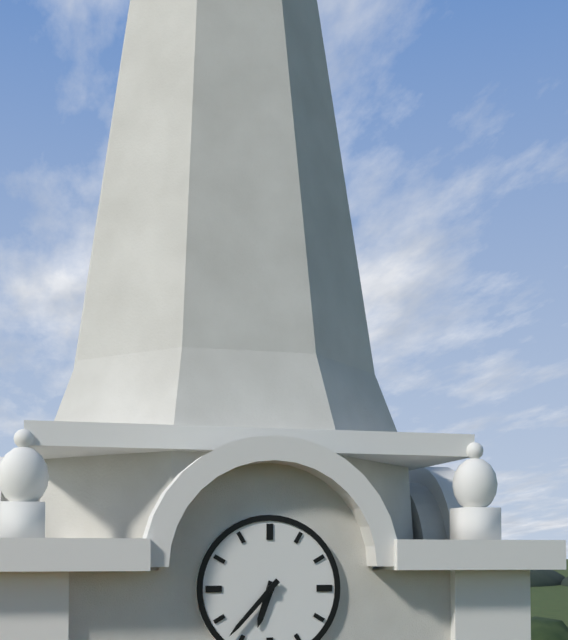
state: 6:37
